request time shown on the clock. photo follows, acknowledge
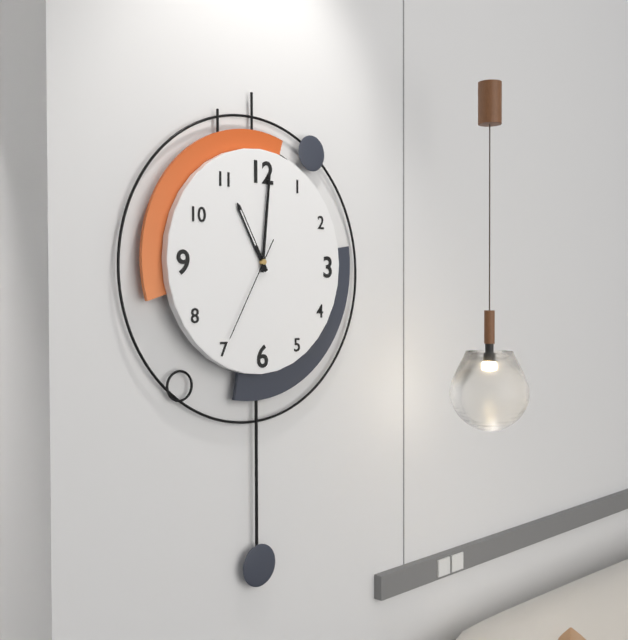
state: 11:01:35
